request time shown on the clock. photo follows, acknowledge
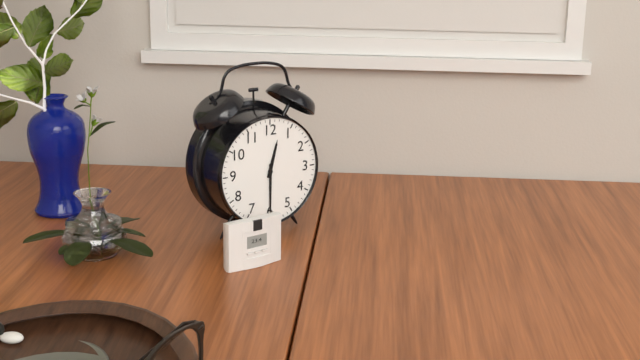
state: 12:30
